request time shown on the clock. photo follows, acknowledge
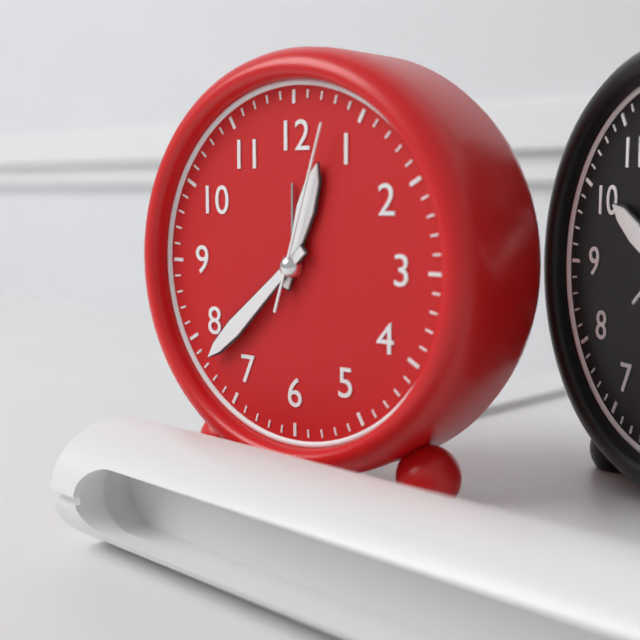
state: 12:38:03
